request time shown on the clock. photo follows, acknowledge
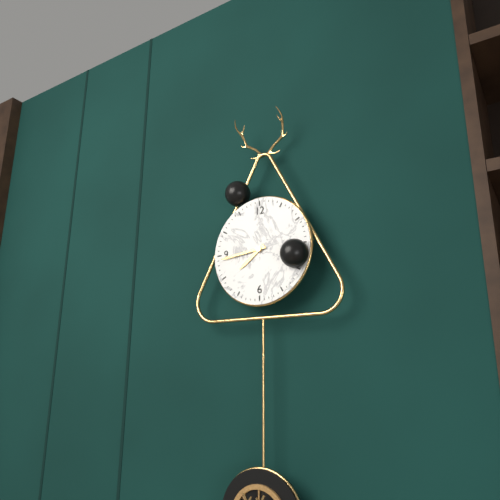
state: 7:44
